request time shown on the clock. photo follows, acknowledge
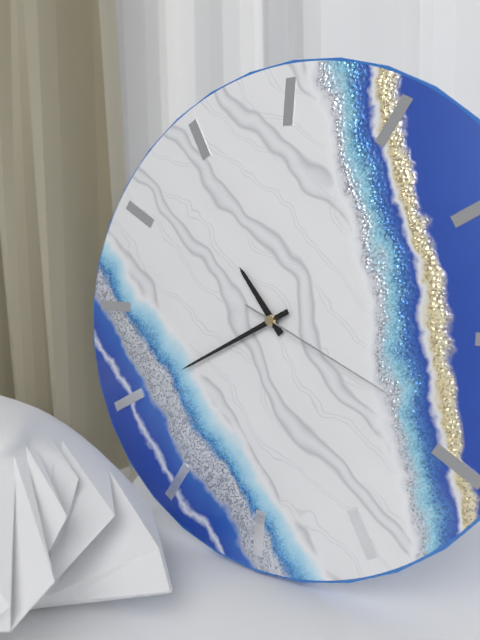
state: 10:40:19
